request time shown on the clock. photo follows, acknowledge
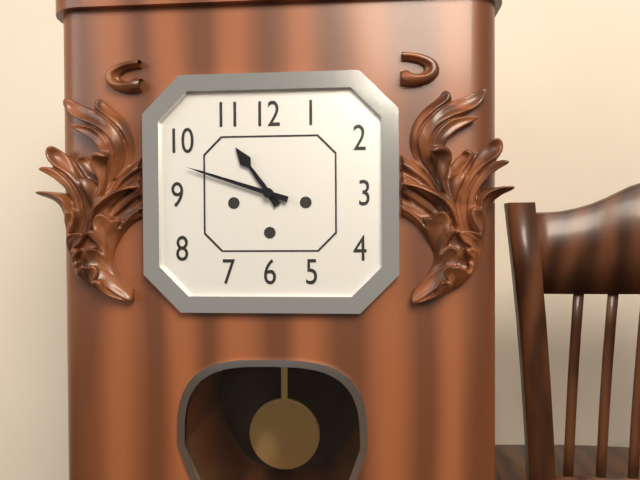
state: 10:48
